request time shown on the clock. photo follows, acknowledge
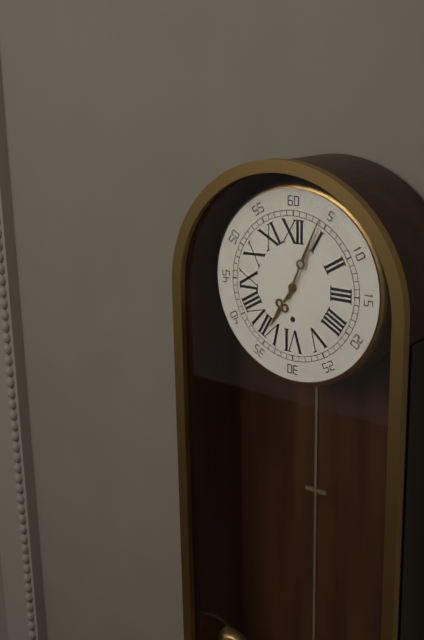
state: 7:04
